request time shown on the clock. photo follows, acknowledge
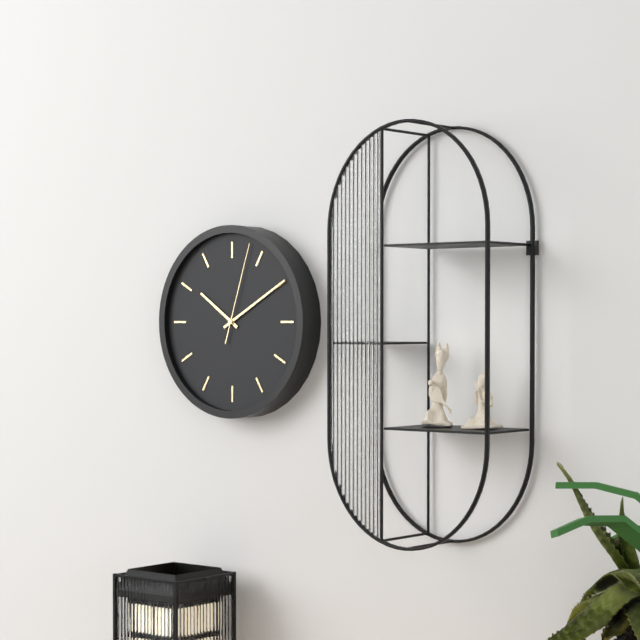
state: 10:10:03
